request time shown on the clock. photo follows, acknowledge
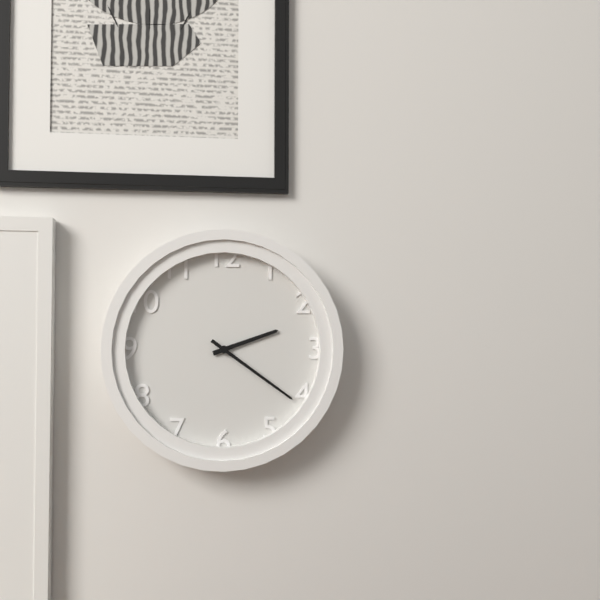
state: 2:21
